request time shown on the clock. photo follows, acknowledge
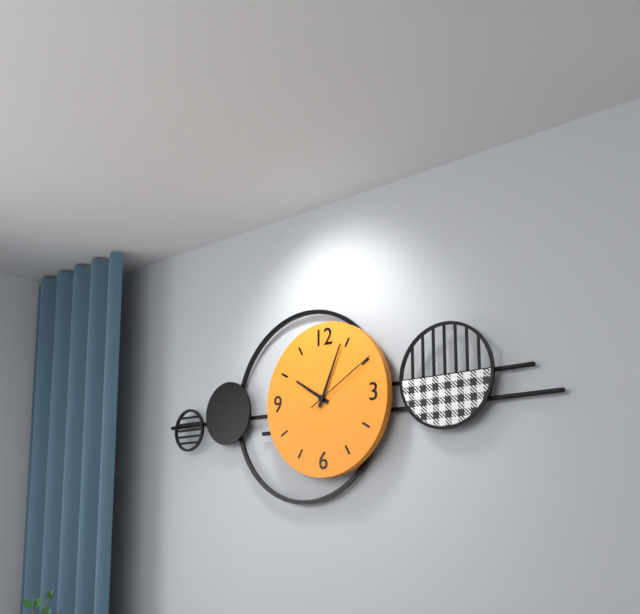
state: 10:04:10
